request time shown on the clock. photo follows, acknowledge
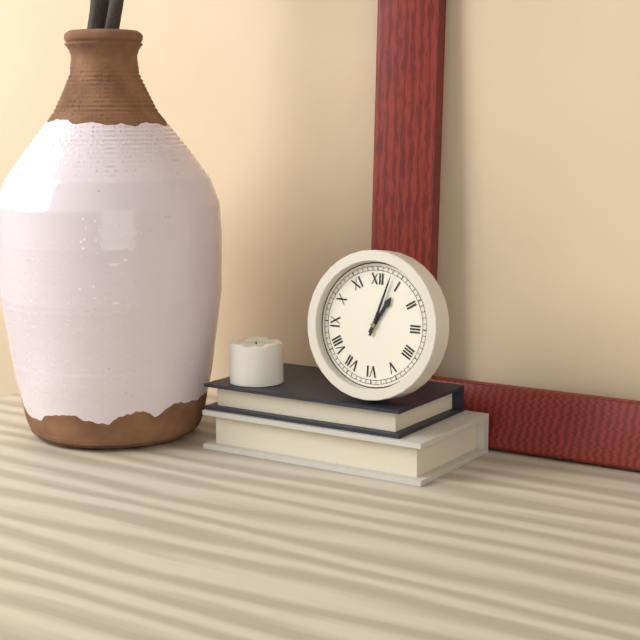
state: 1:03
